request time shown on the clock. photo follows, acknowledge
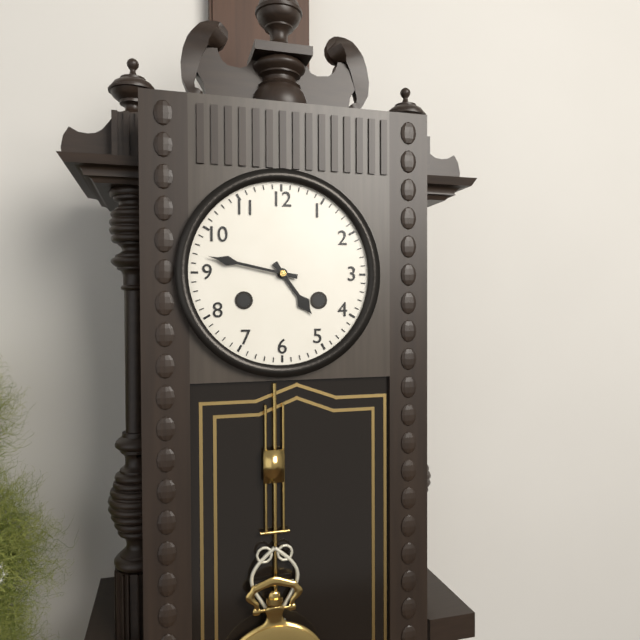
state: 4:47
